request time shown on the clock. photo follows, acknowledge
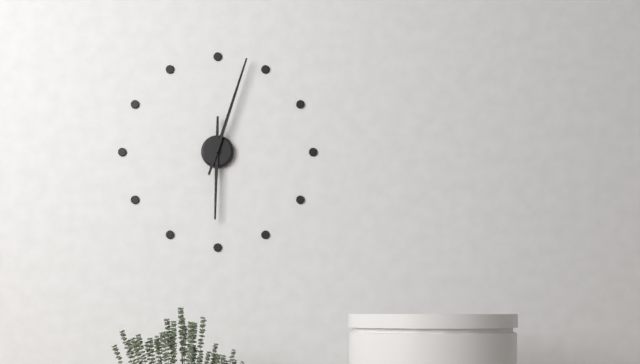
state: 6:03
